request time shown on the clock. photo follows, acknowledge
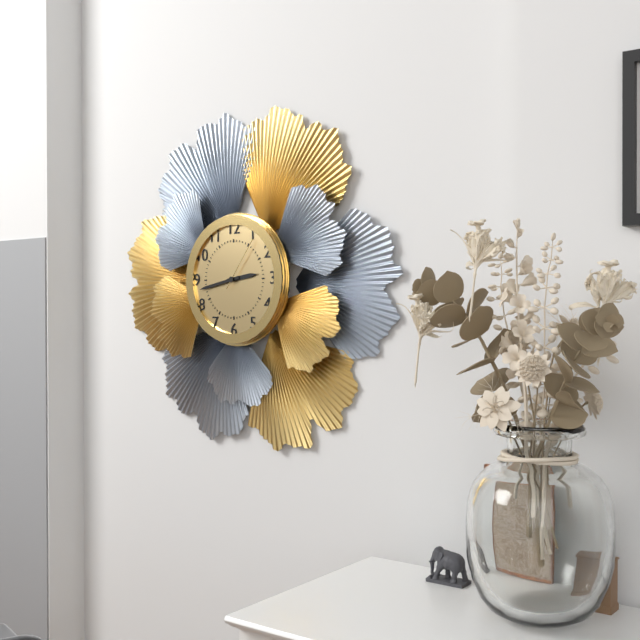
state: 2:43:06
